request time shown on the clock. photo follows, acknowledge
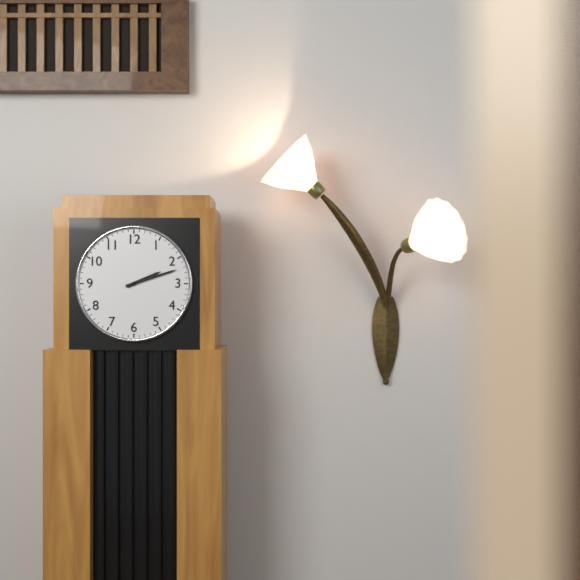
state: 2:12
